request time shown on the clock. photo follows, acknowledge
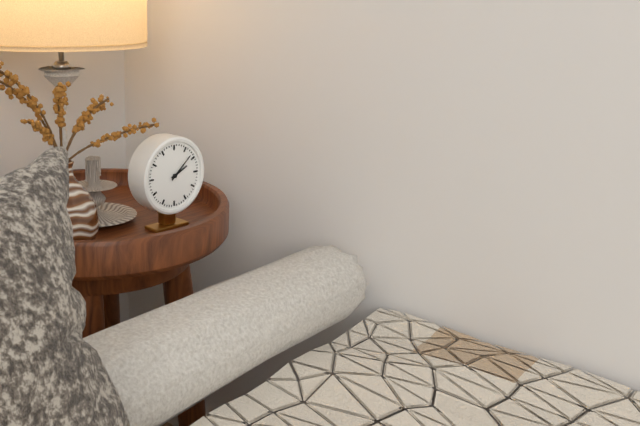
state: 2:08
